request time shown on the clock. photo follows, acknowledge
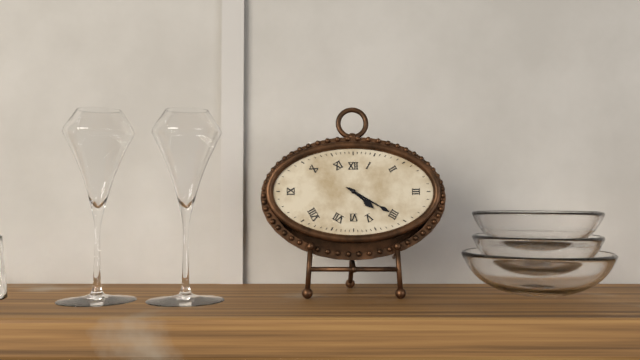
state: 4:20
